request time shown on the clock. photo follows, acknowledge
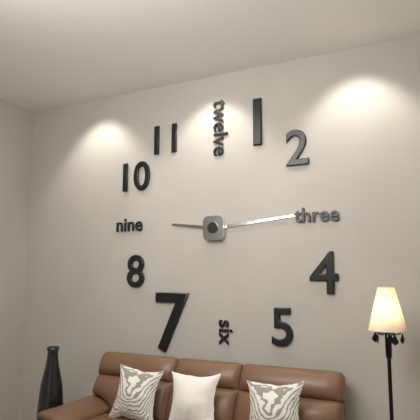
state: 9:14
